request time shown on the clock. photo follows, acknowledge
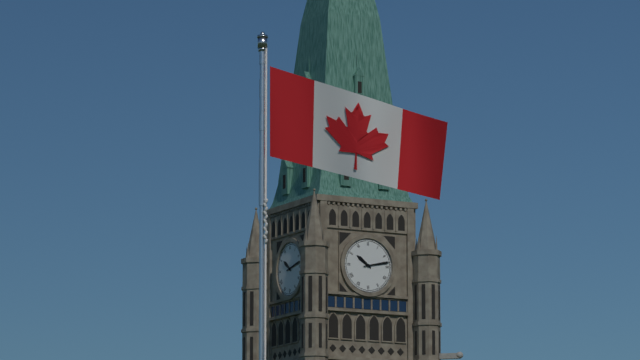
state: 10:13
